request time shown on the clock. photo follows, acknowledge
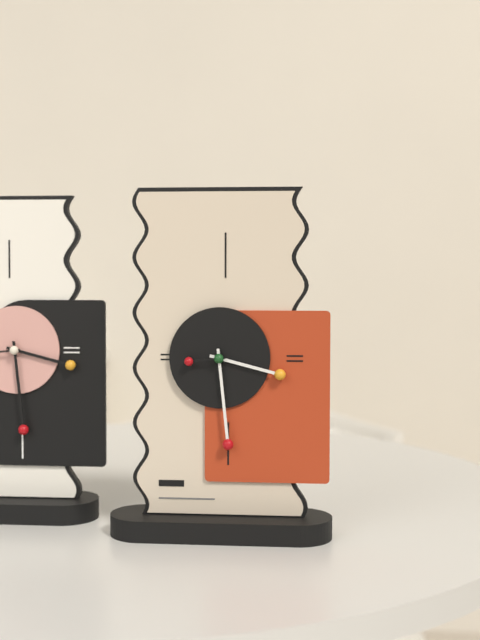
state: 3:29
